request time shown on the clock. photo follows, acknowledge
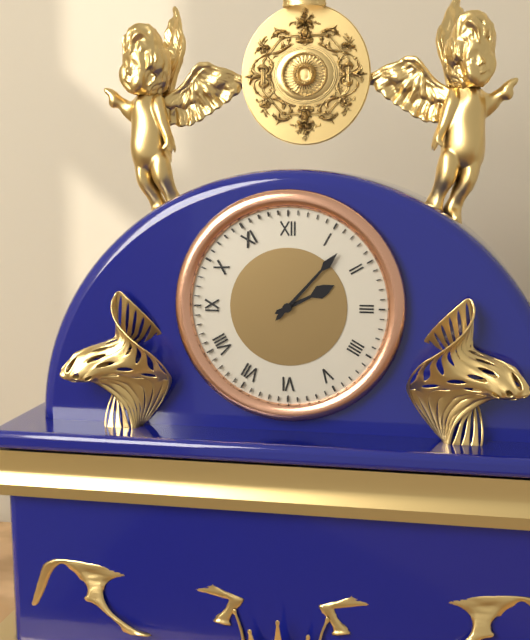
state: 2:07
